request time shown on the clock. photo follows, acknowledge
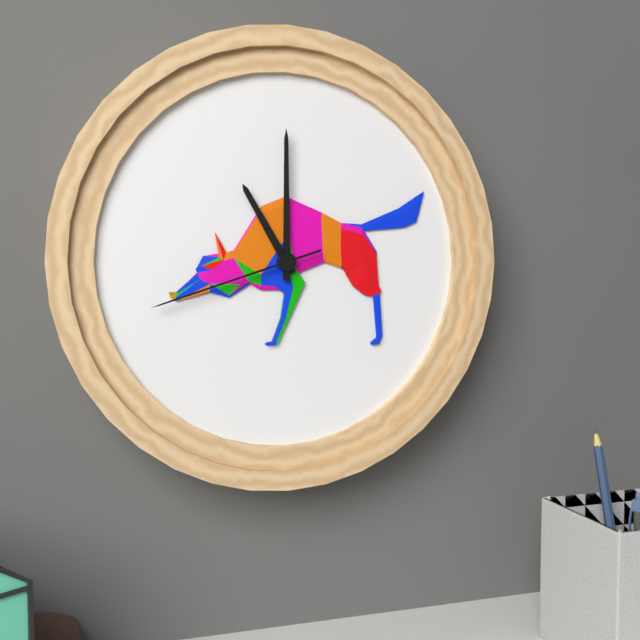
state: 11:00:42
